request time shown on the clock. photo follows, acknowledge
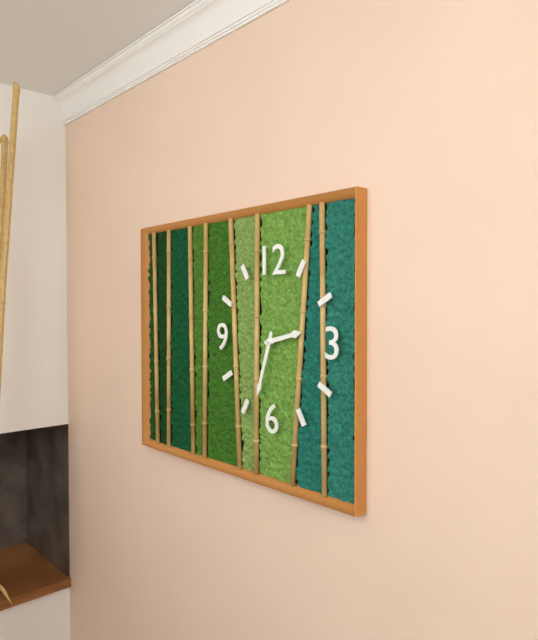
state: 2:33
